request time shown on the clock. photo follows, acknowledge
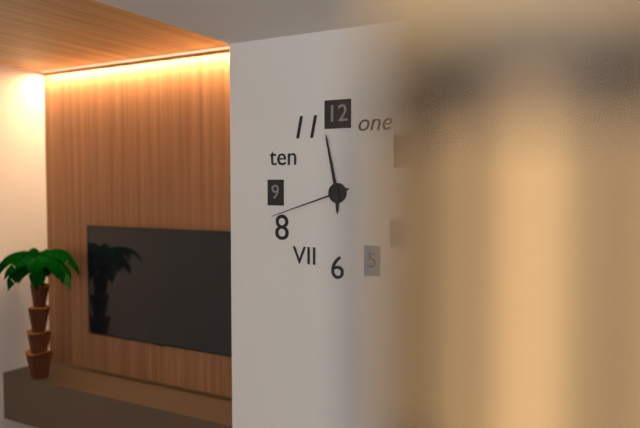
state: 5:58:42
